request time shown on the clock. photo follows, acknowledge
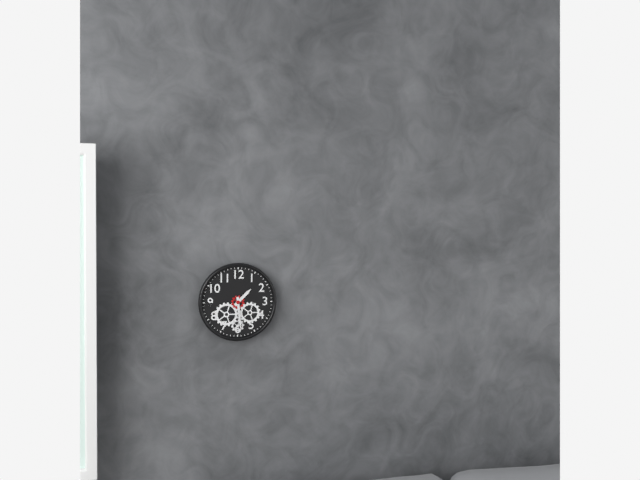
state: 1:29
